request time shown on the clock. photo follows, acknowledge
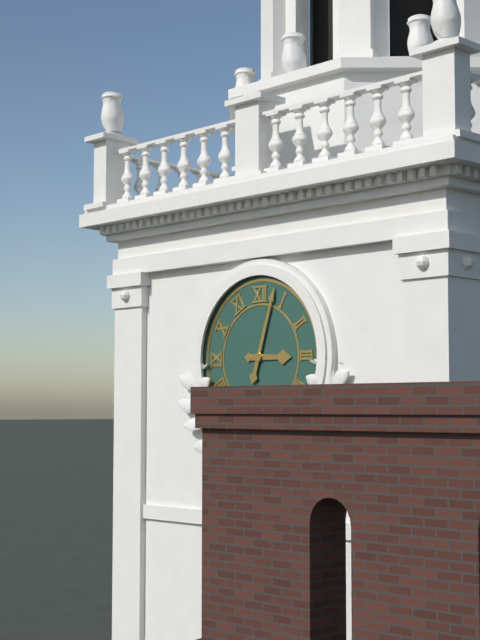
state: 3:03
